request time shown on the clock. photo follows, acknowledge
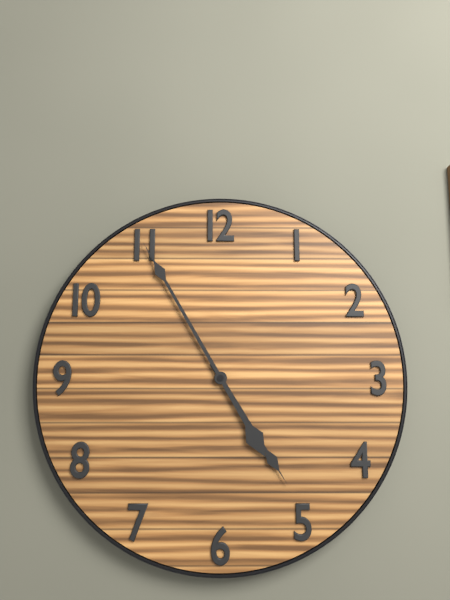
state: 4:55
